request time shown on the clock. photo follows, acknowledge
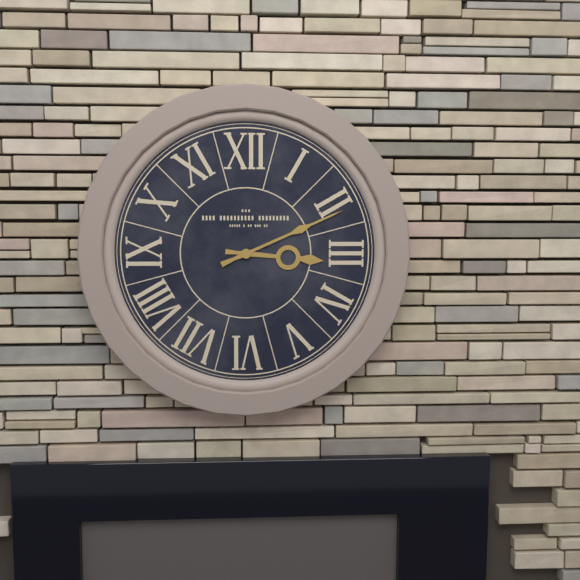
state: 3:11
